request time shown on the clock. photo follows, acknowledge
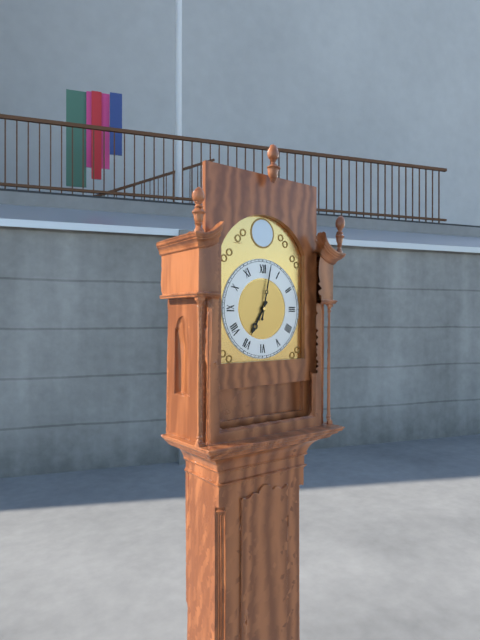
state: 7:02
